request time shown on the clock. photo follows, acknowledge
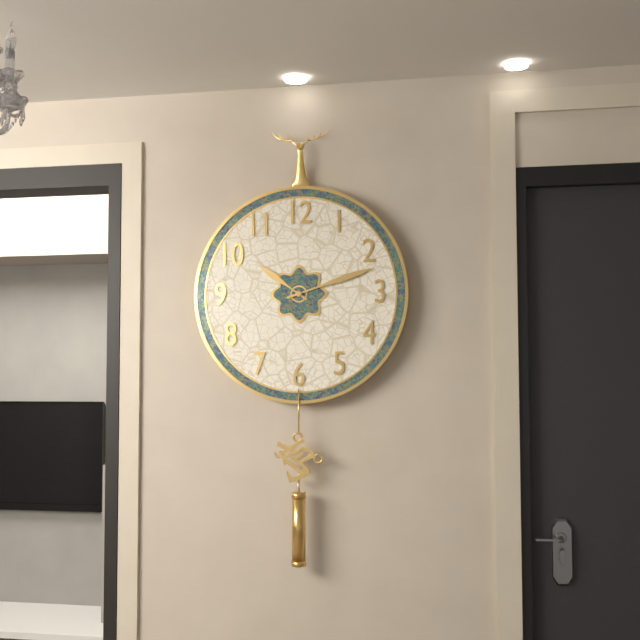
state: 10:12
